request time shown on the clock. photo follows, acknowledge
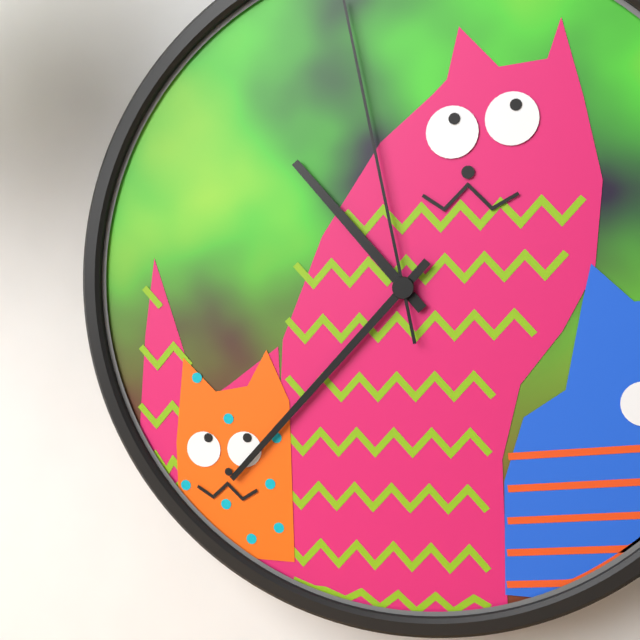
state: 10:37
